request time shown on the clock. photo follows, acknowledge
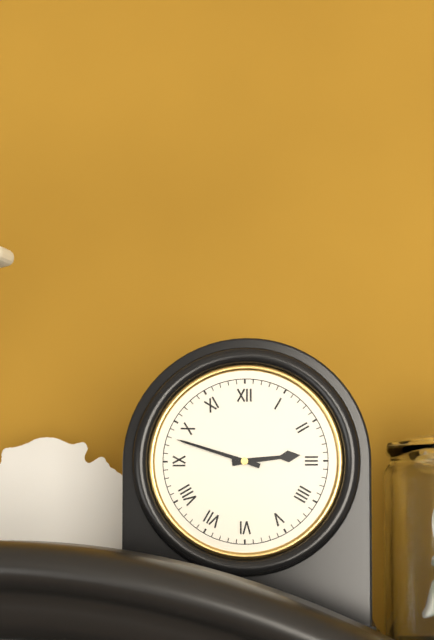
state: 2:48
